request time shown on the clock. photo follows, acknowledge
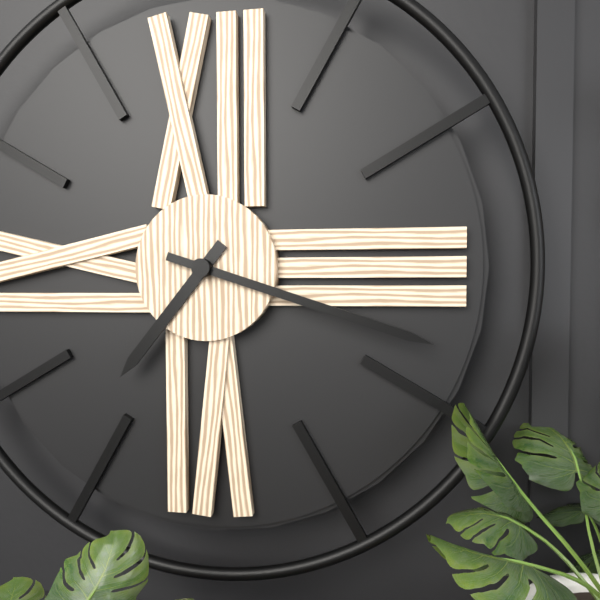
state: 7:18
